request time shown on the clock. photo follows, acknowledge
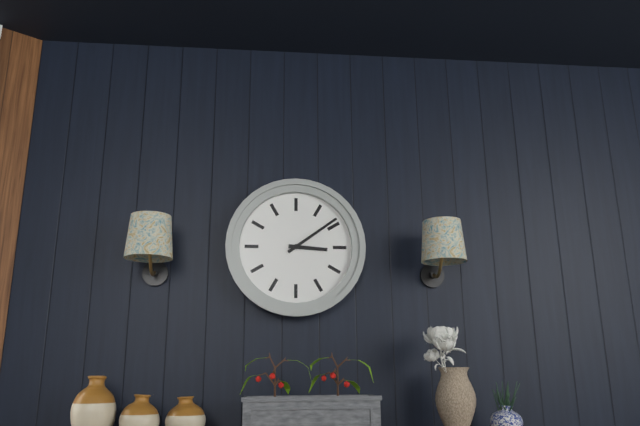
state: 3:09
